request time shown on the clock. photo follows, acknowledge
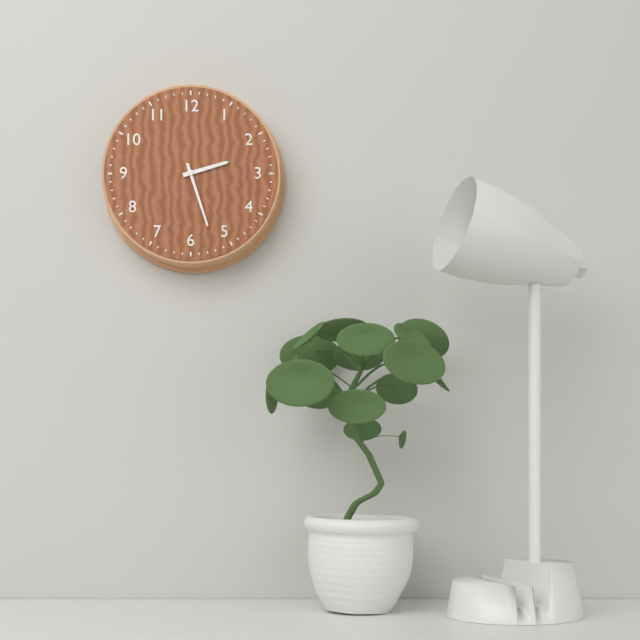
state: 2:27
